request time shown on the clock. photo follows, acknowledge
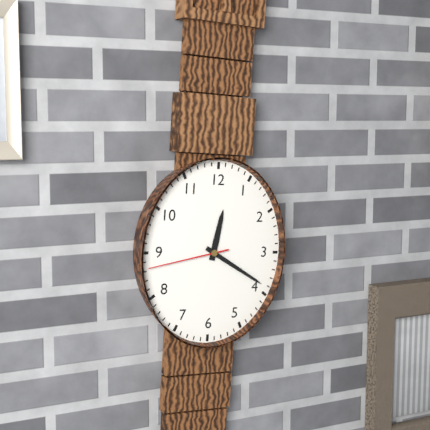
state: 12:20:43
